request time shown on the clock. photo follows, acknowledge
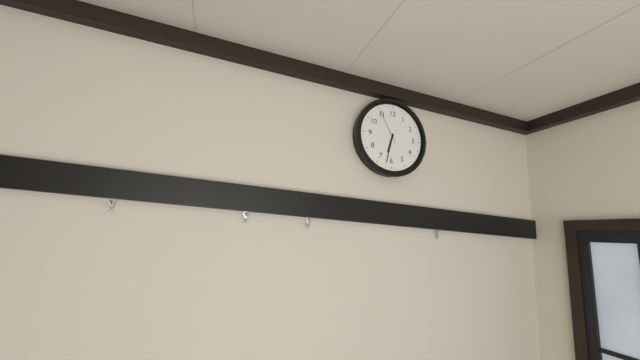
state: 6:32
